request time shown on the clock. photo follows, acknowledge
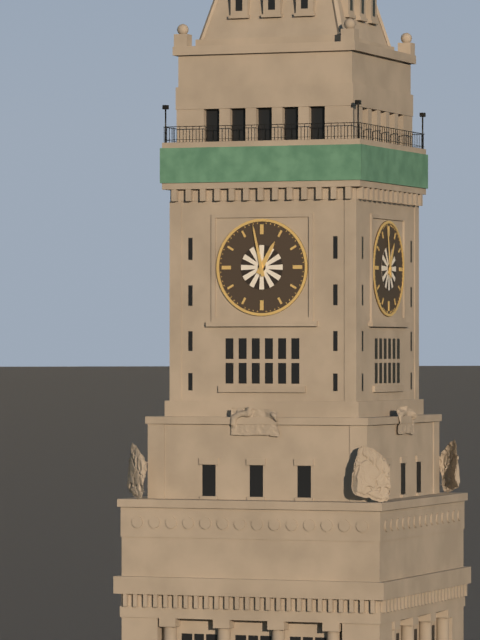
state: 12:58
